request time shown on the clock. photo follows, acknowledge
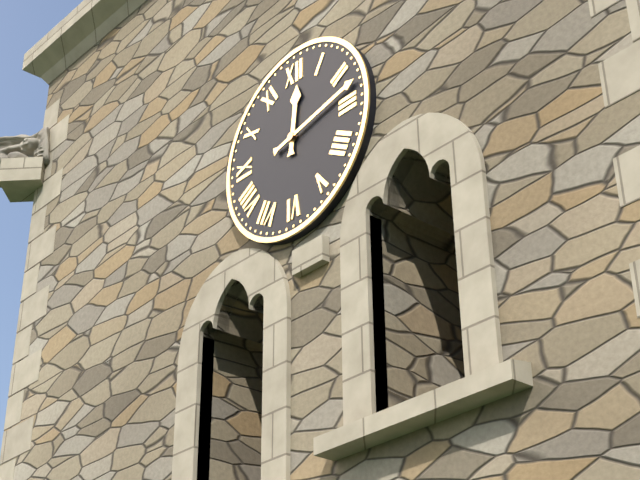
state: 12:13
